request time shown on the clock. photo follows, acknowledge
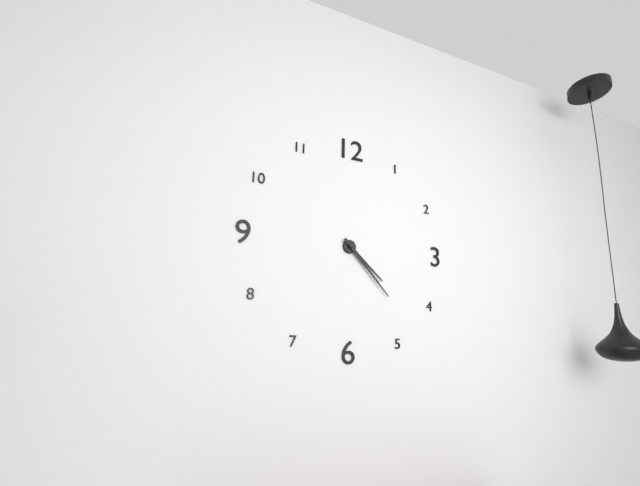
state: 4:23
